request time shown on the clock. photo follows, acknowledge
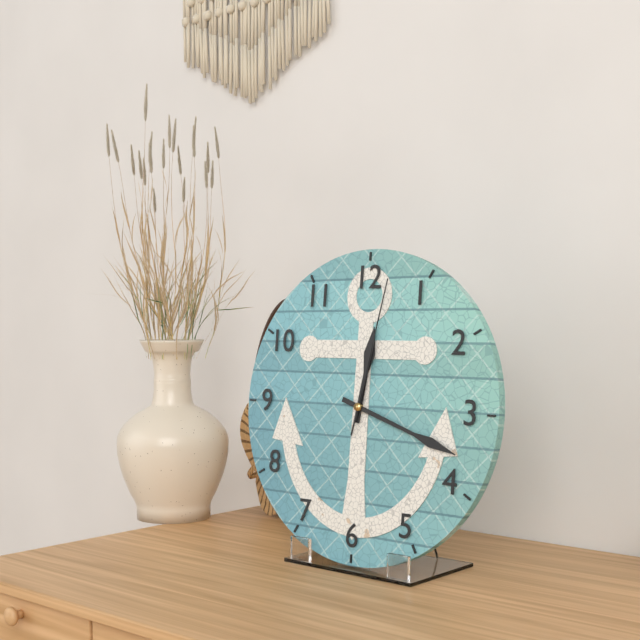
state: 12:18:02
